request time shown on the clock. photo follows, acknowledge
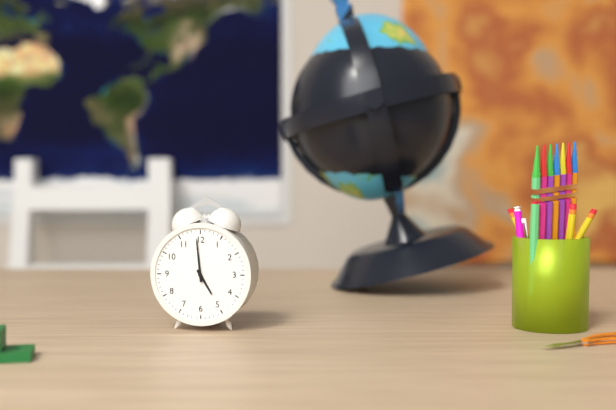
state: 4:59
